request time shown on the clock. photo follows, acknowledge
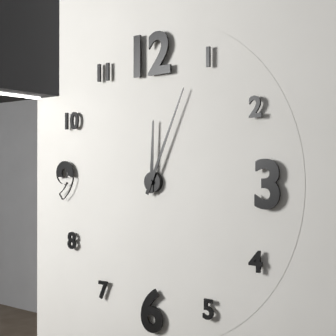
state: 12:04
